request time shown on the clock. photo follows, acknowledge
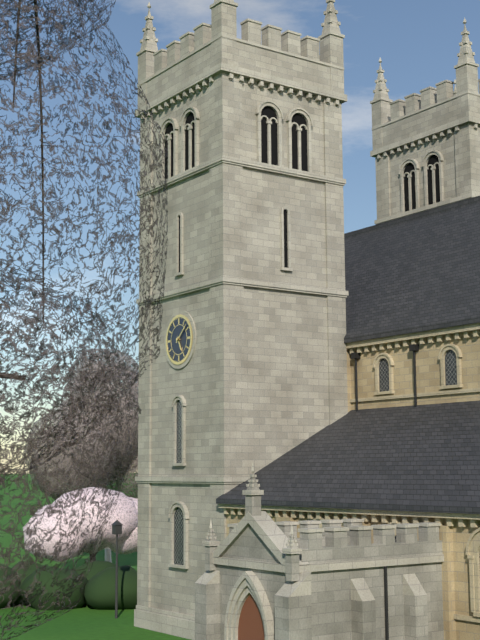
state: 5:08
